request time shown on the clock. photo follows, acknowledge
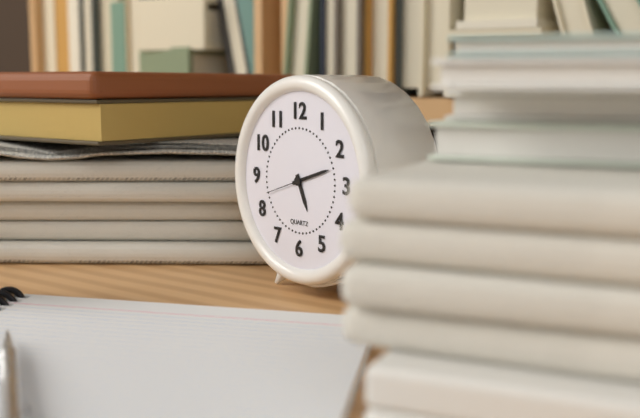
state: 5:12
